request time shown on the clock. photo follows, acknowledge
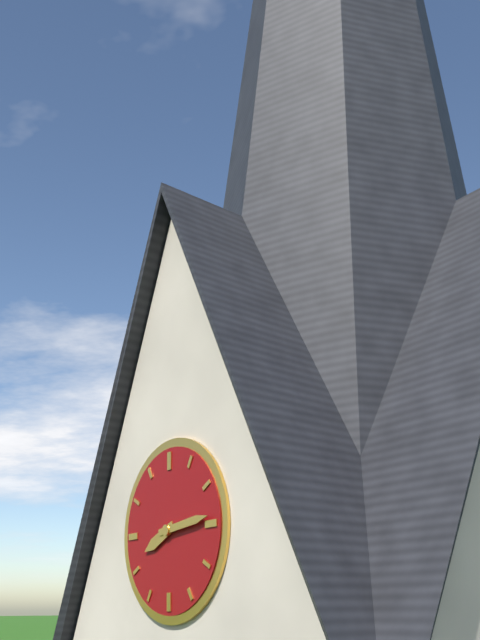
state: 8:14
